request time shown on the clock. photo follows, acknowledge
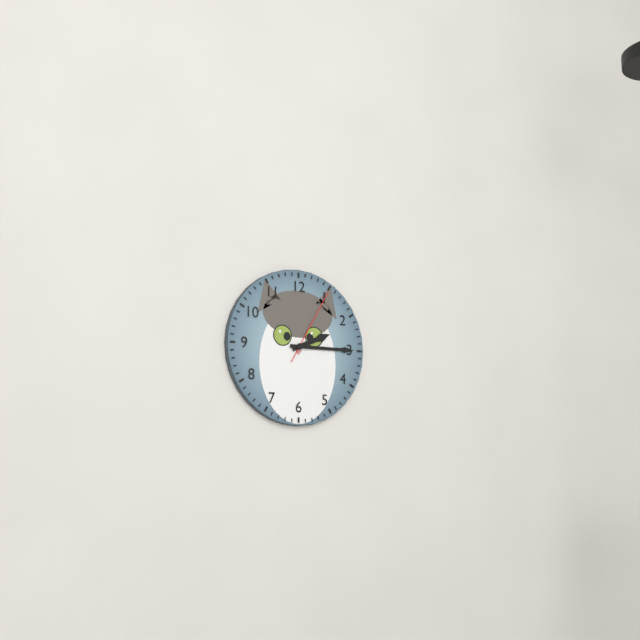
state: 2:15:05
